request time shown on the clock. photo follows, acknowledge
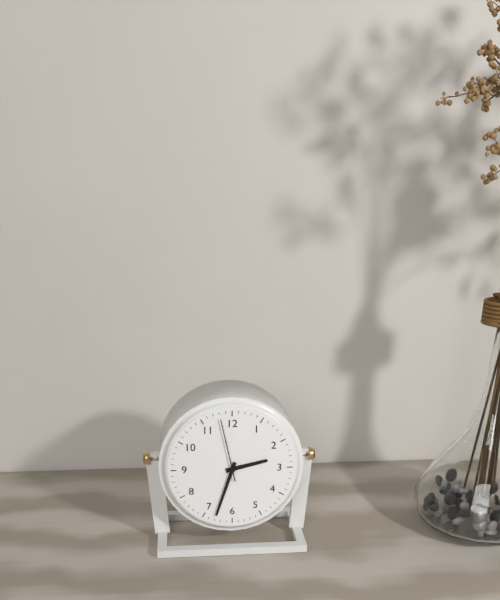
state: 2:33:58
